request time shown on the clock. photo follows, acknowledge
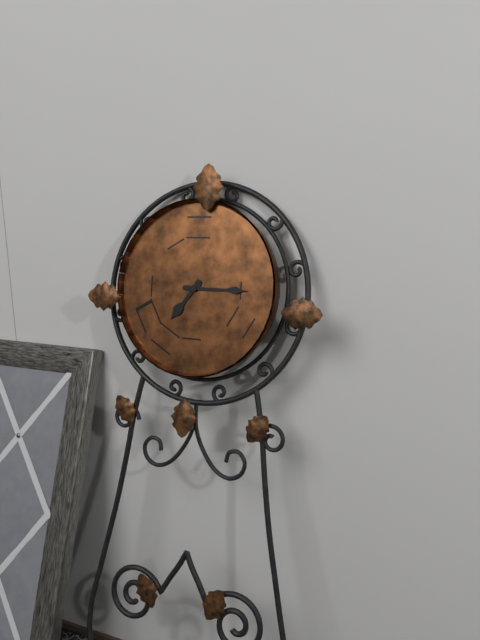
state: 7:15
